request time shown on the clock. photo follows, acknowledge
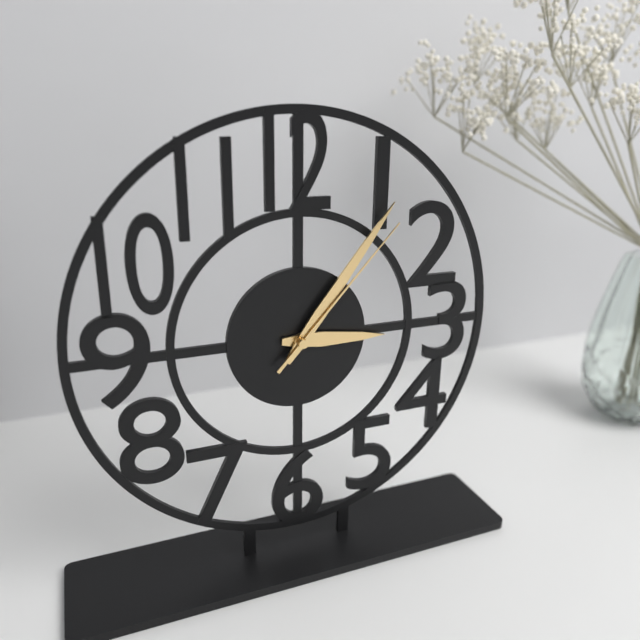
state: 3:06:07
